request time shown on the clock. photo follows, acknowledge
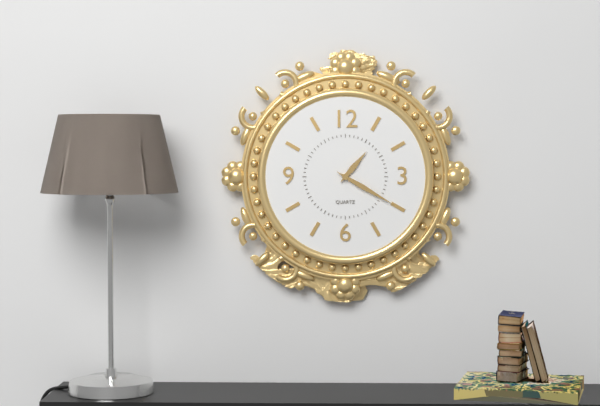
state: 1:20
